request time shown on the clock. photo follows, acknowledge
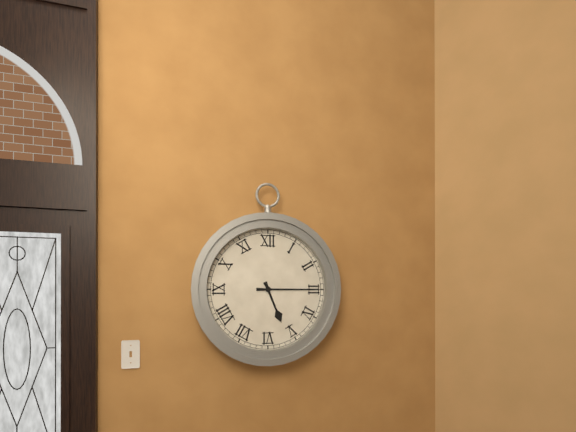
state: 5:15
